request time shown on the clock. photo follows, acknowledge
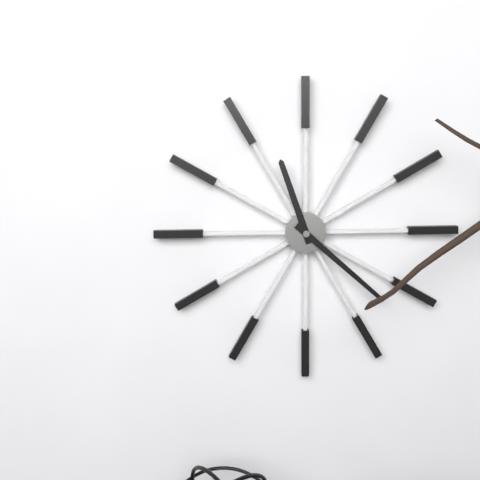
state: 11:22
